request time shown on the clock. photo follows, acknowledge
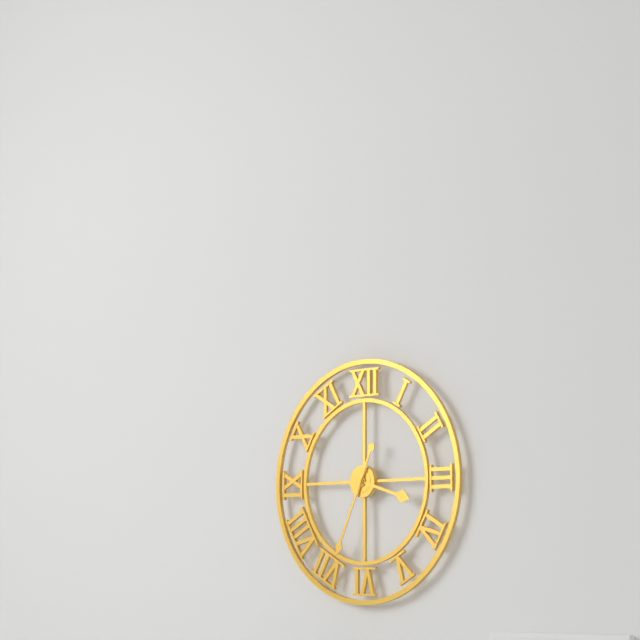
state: 3:34
